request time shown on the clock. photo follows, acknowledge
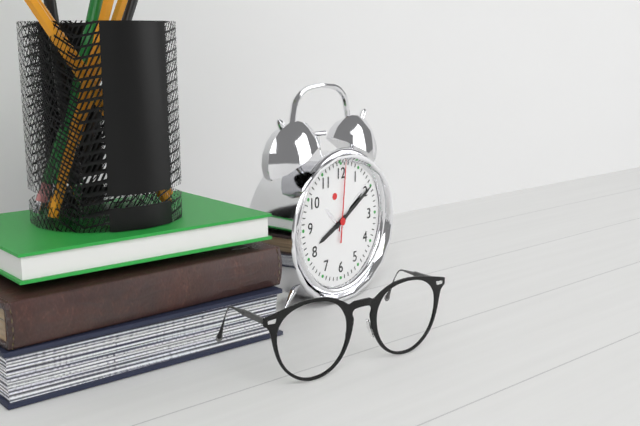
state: 8:10:01
